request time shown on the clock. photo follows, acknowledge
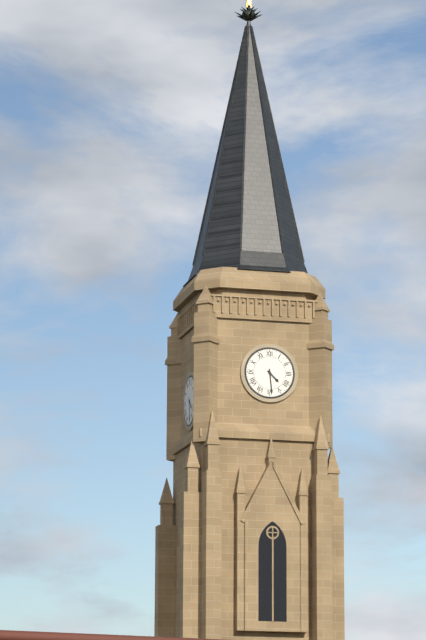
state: 4:29
